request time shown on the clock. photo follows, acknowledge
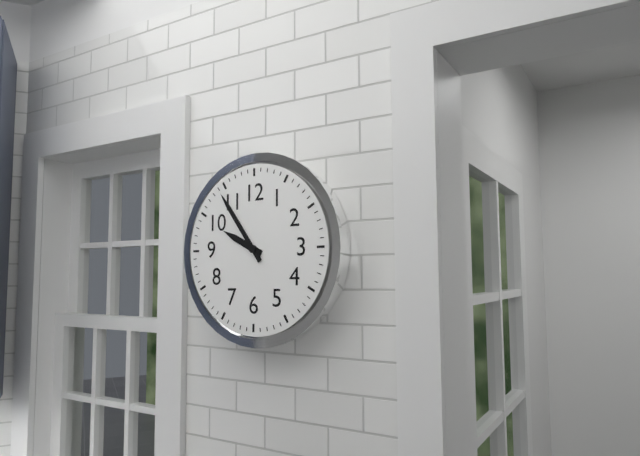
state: 9:54
